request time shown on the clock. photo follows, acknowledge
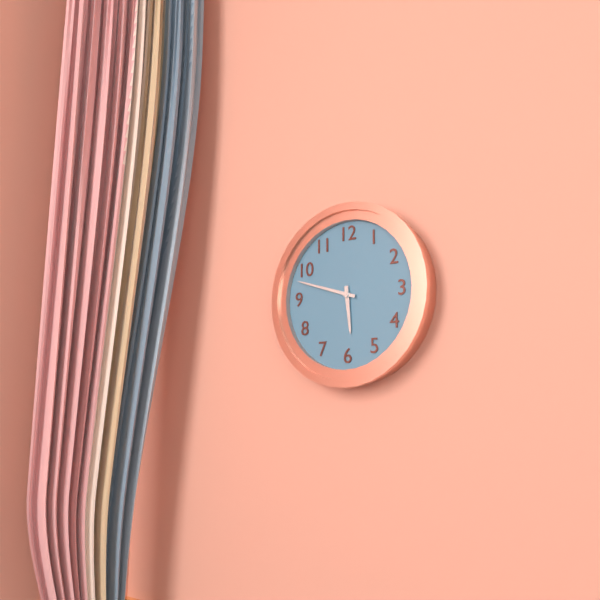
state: 5:48
